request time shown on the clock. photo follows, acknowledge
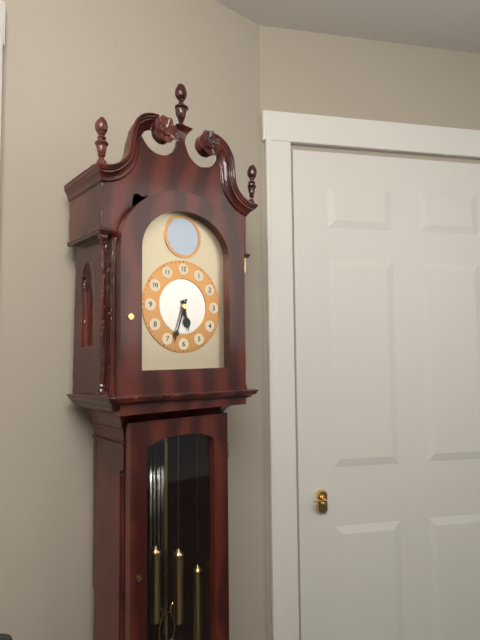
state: 5:33
